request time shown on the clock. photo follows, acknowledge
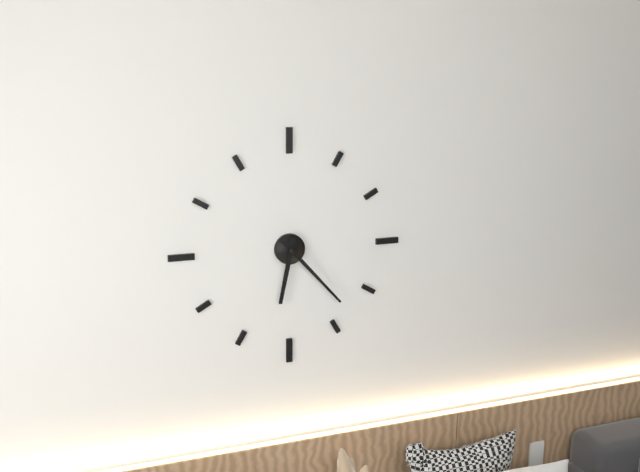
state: 6:23
